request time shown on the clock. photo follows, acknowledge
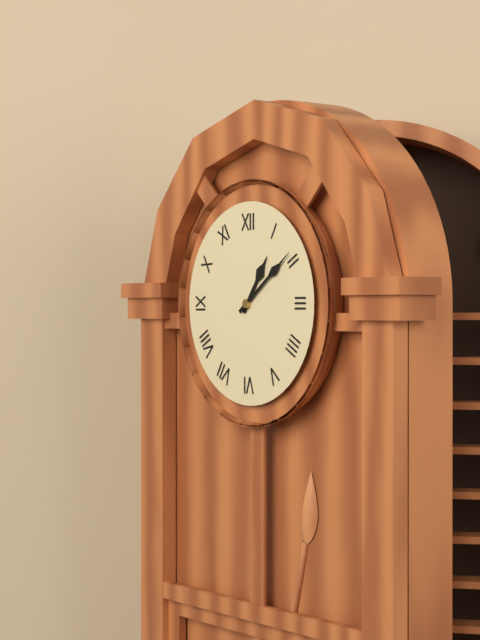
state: 1:09
